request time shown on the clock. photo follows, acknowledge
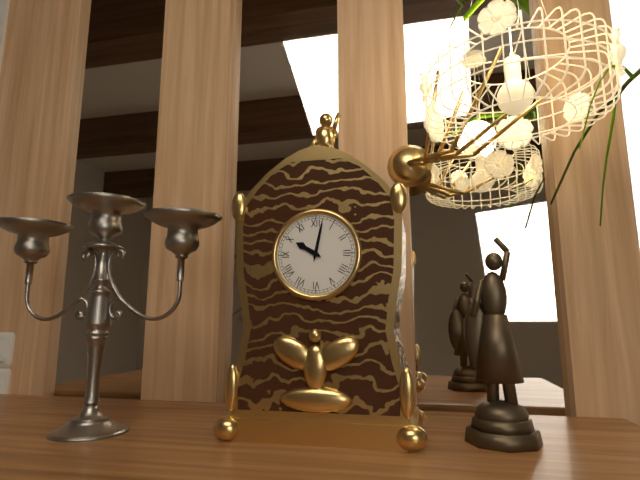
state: 10:02
